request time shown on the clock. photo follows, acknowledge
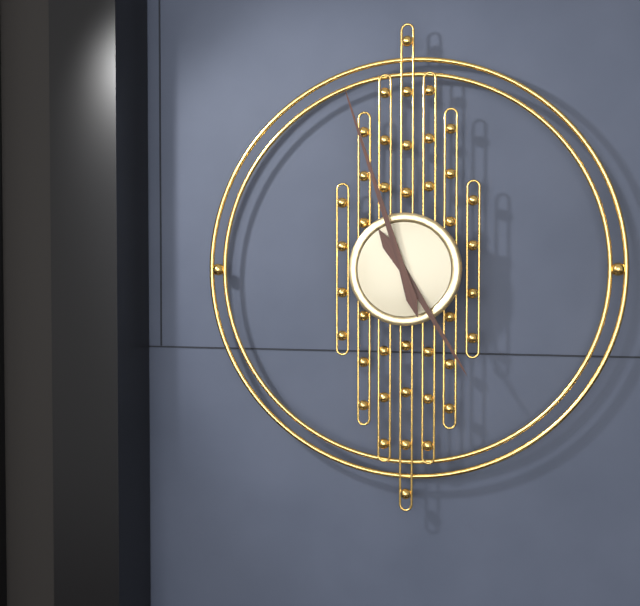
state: 4:57
